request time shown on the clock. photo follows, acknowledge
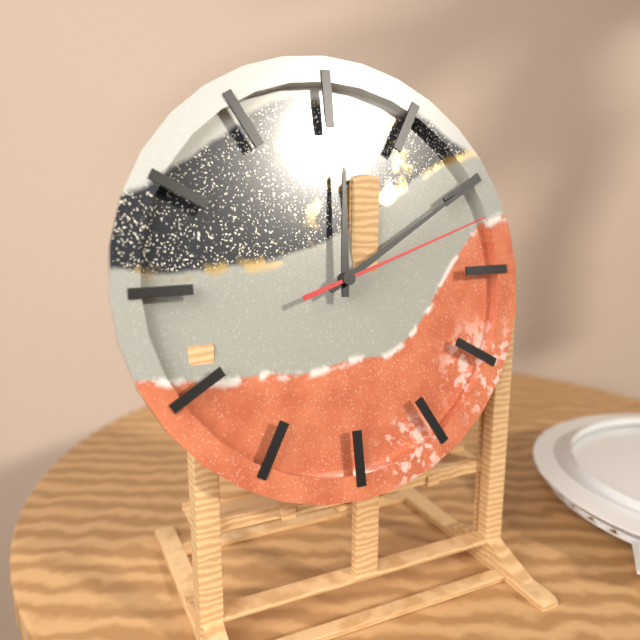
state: 12:10:12
